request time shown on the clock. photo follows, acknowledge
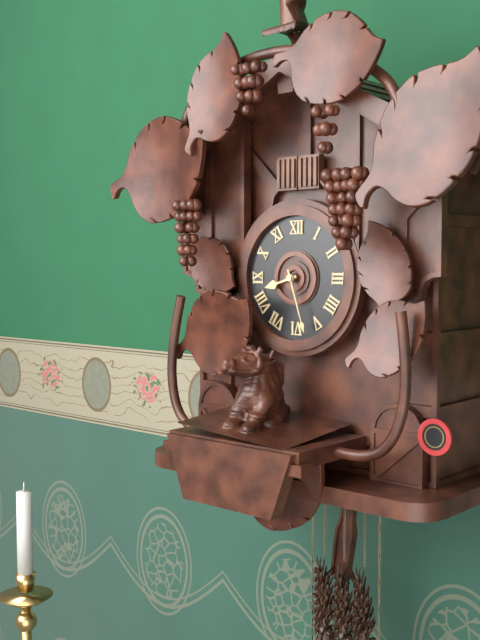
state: 8:27
